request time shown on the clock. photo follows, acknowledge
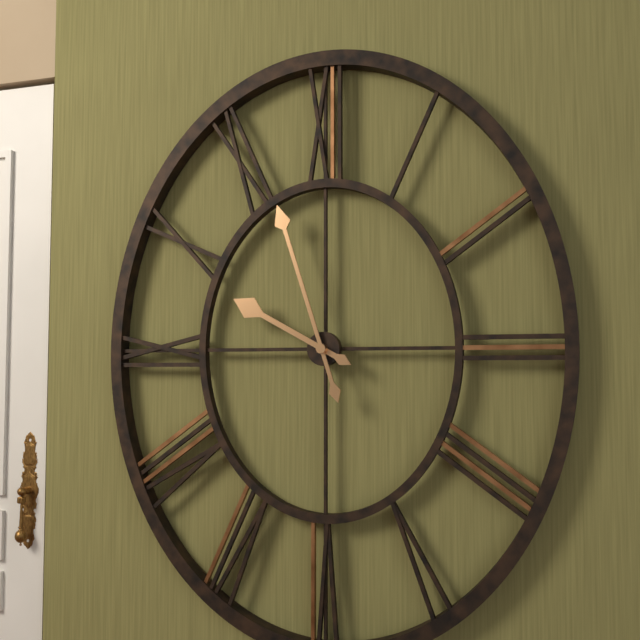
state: 9:57
